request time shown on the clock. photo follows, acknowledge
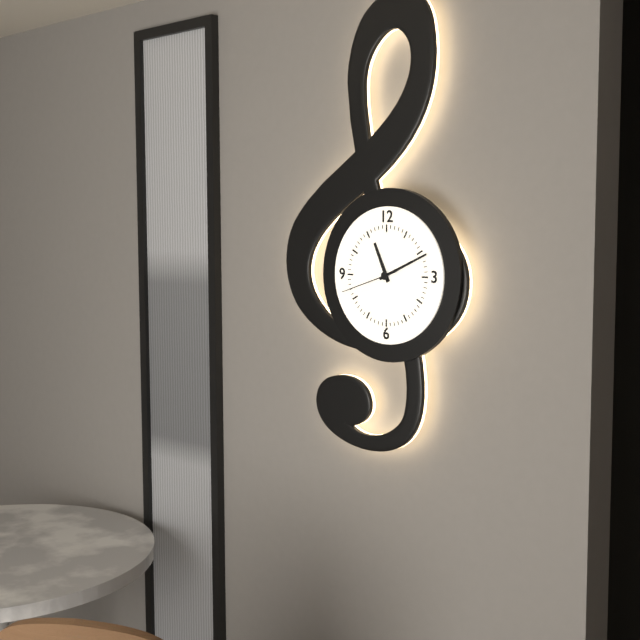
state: 11:11:42
